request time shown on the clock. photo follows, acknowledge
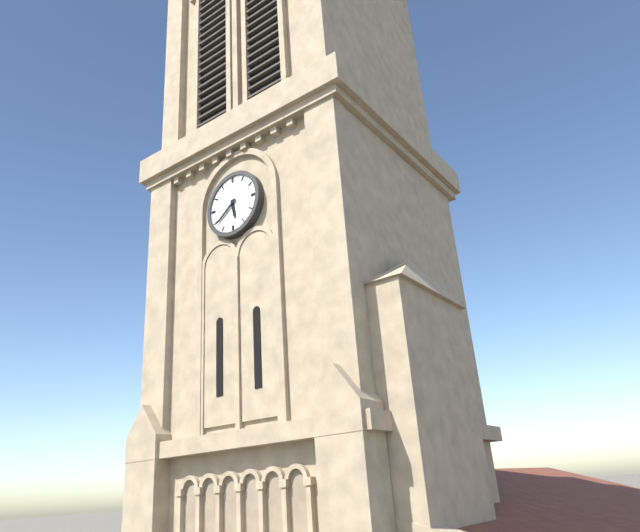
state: 5:39
